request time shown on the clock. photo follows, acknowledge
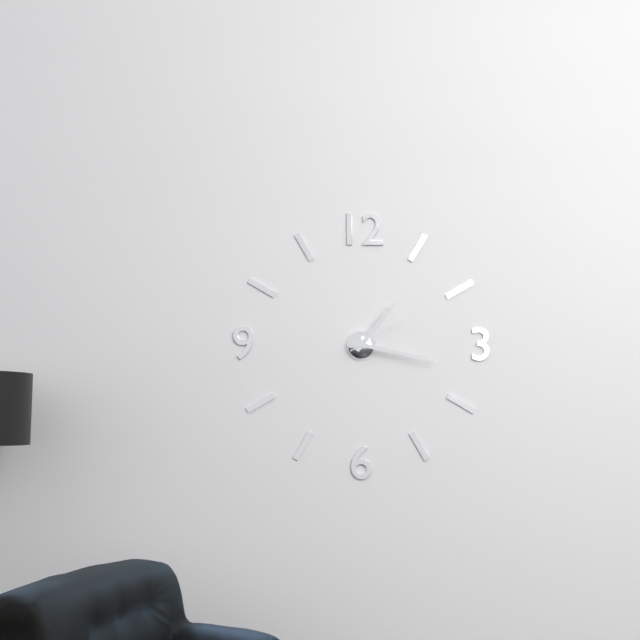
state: 1:17:10
